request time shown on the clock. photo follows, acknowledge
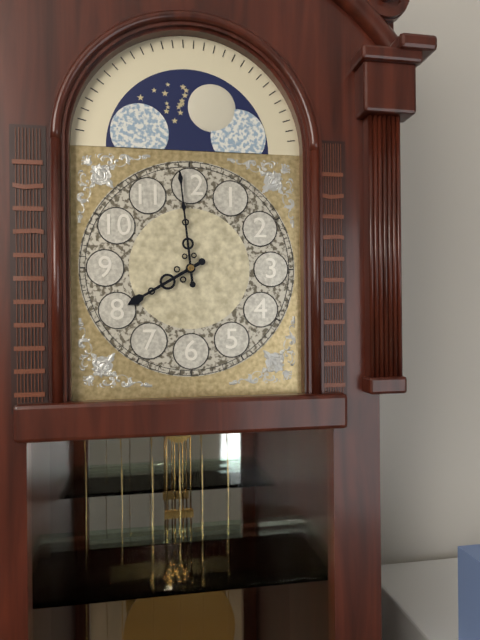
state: 7:59
